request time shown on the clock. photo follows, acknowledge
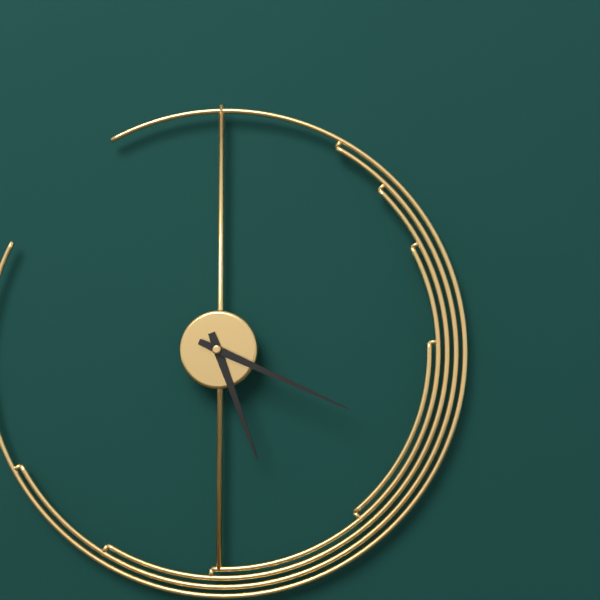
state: 5:19
